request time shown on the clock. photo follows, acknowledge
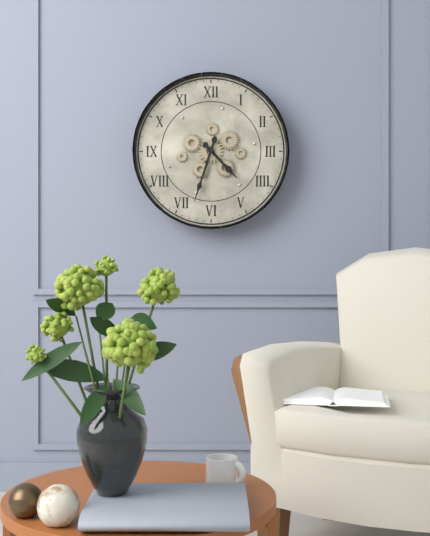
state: 4:33
